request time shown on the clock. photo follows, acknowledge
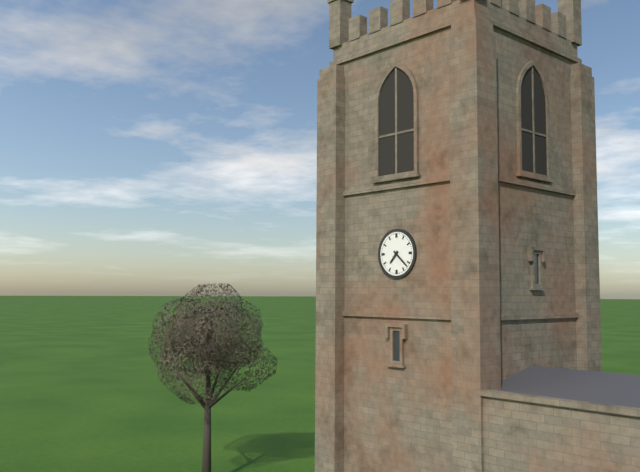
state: 7:22
